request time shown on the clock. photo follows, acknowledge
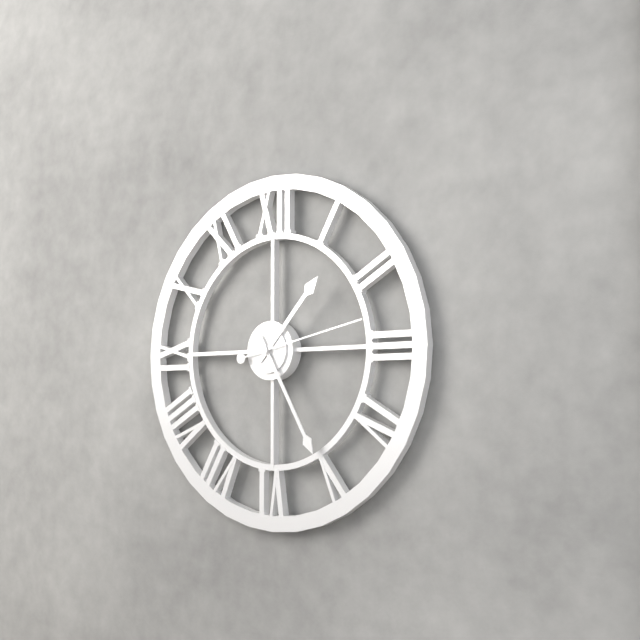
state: 1:25:13
